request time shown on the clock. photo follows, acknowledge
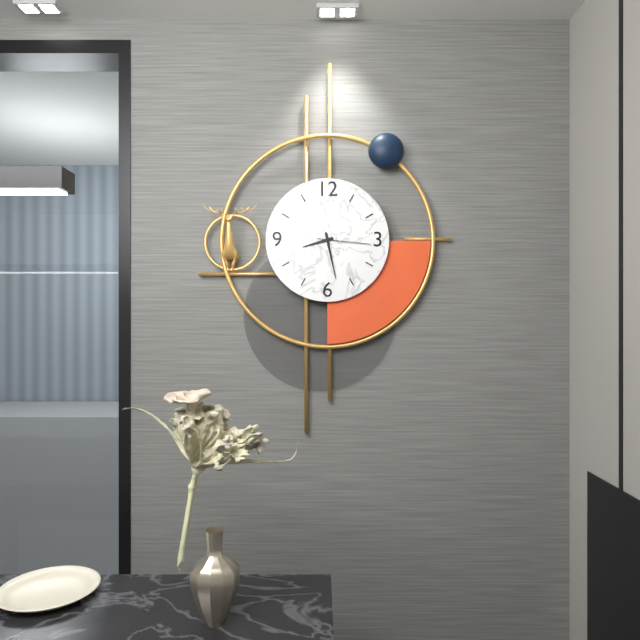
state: 8:28:16
